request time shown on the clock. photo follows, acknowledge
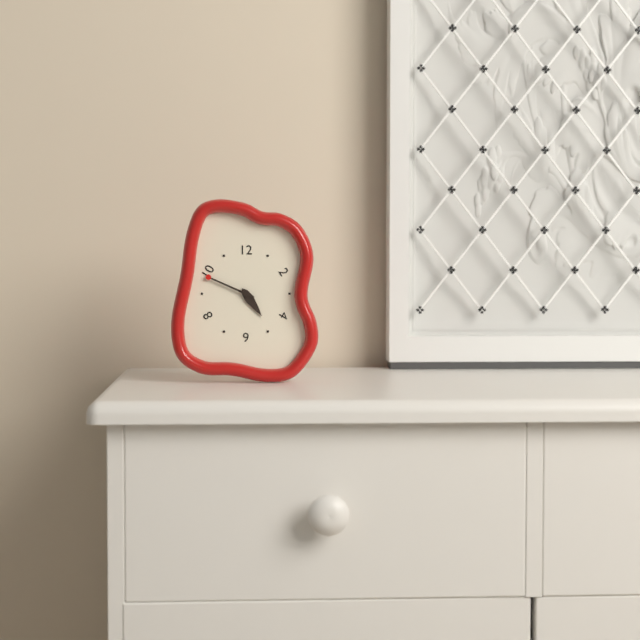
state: 4:49
